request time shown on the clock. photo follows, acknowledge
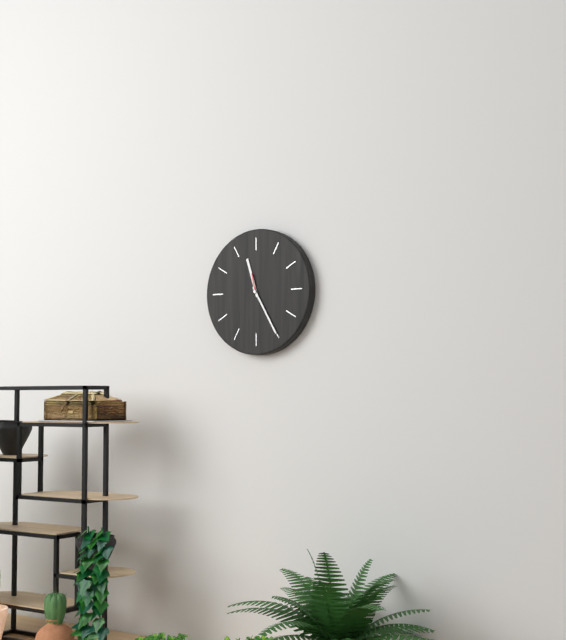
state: 11:25
